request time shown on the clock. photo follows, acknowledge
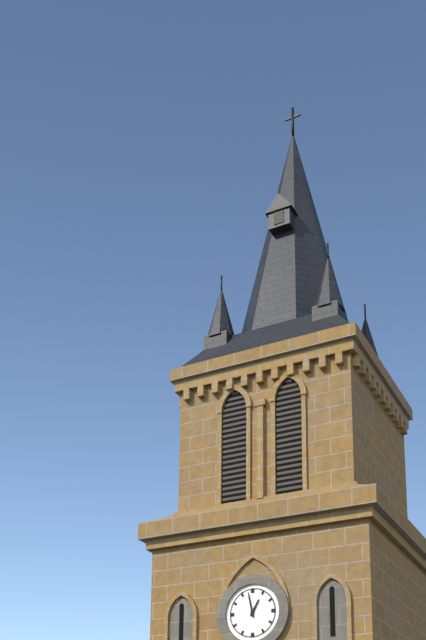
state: 12:58
